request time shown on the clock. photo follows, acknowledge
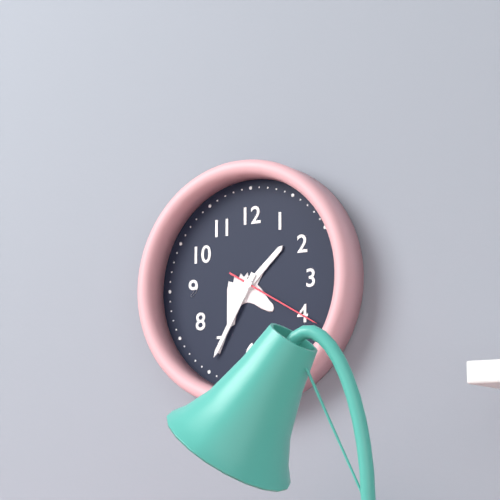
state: 1:35:20
